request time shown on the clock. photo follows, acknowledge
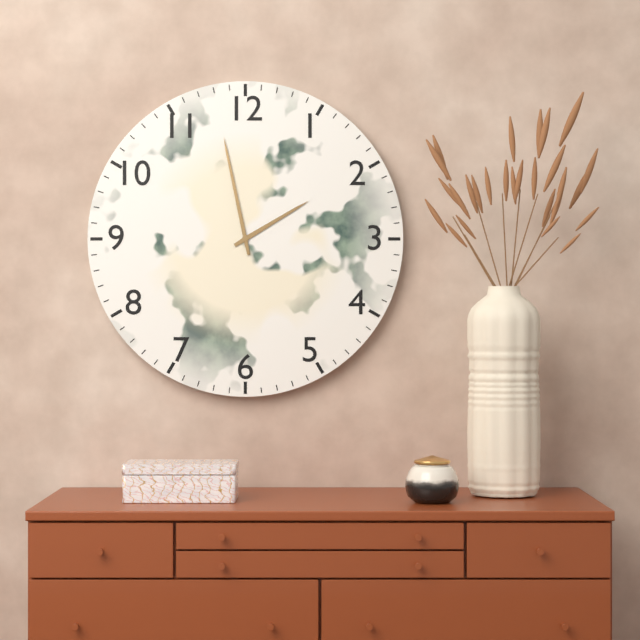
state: 1:58
